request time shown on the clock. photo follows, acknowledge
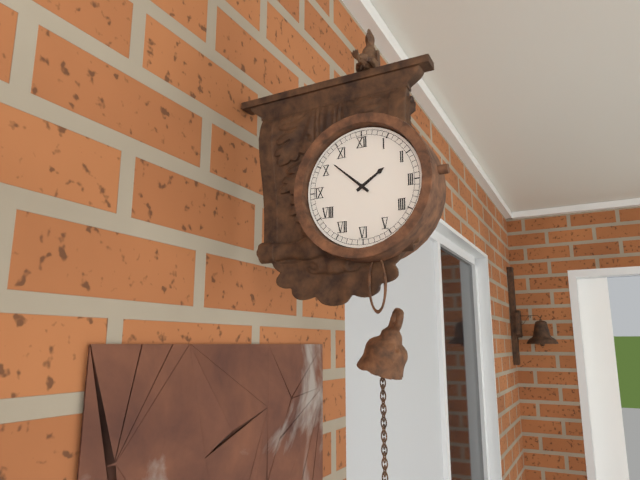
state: 1:52
